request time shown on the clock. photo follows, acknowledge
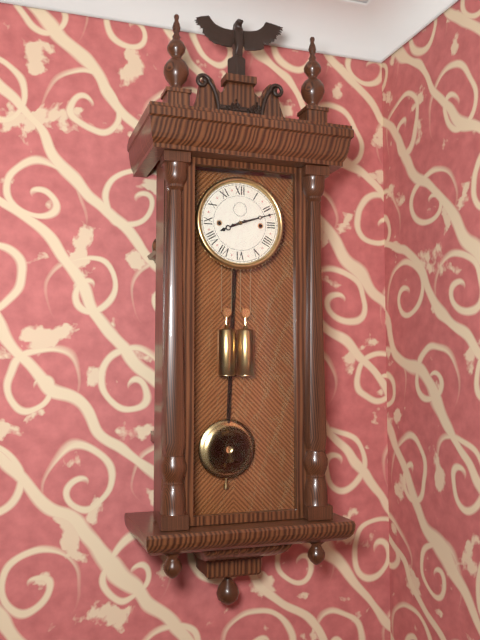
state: 8:12
